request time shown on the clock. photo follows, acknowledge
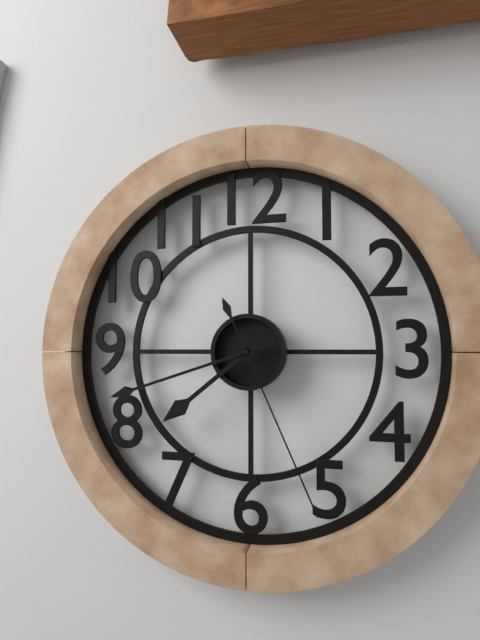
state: 7:42:26
